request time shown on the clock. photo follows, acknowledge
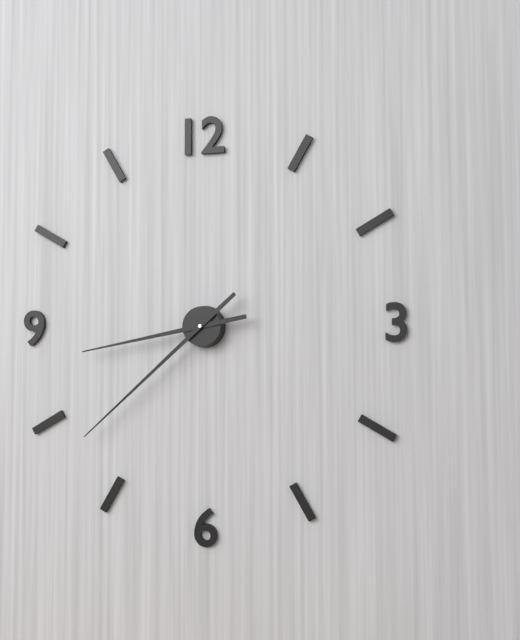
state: 8:38
